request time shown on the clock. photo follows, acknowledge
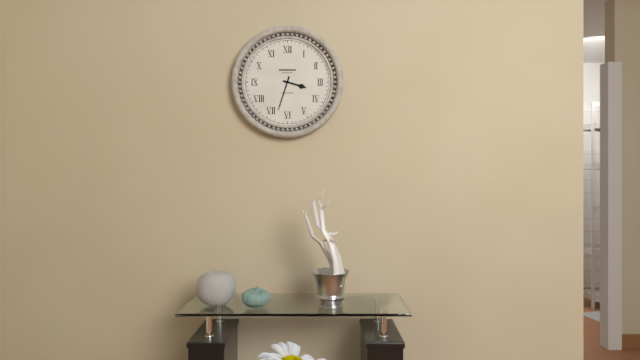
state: 3:33
